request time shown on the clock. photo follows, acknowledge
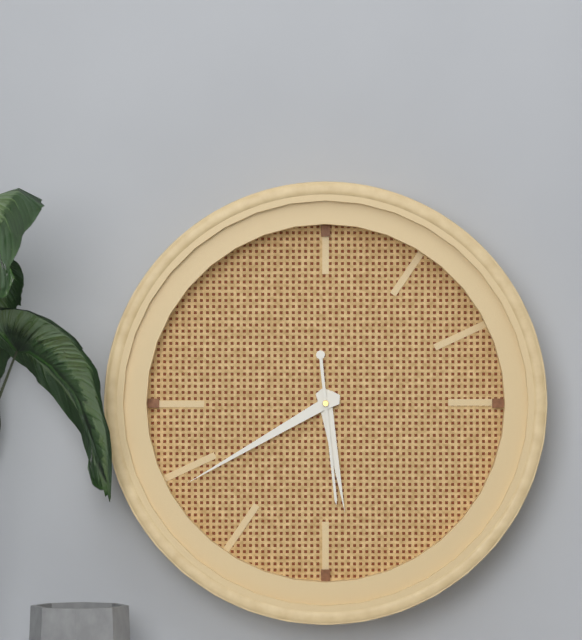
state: 5:40:29
